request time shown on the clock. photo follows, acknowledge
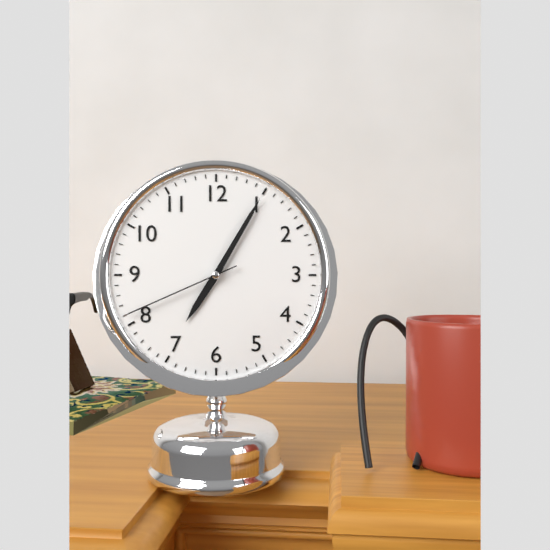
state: 7:05:41
